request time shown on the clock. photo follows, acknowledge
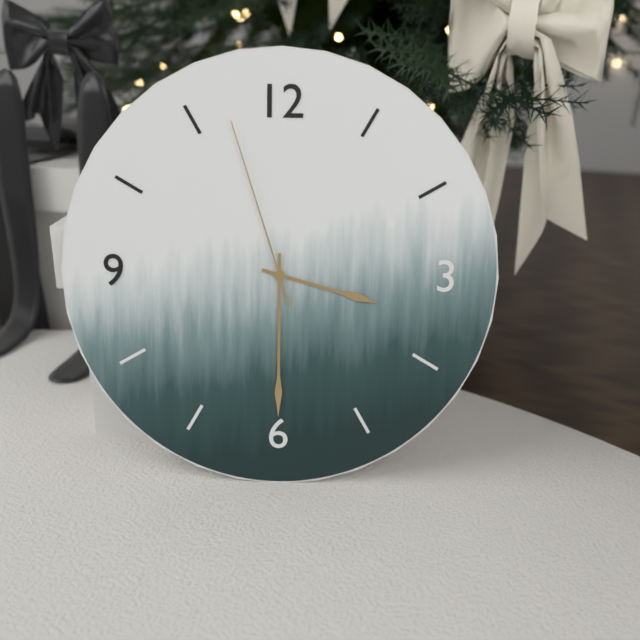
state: 3:30:57
